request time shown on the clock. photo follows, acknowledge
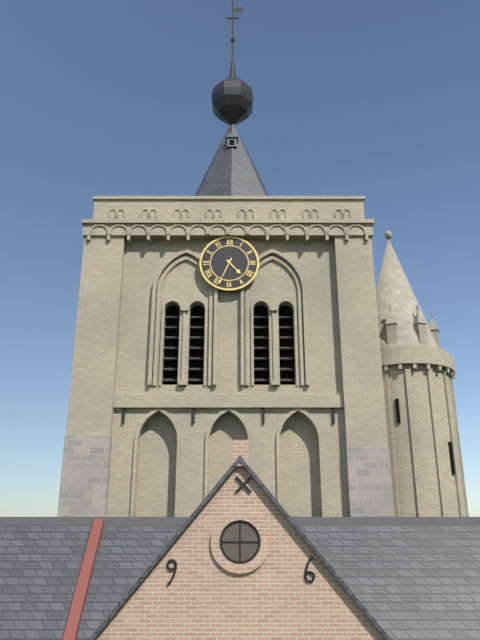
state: 4:34
